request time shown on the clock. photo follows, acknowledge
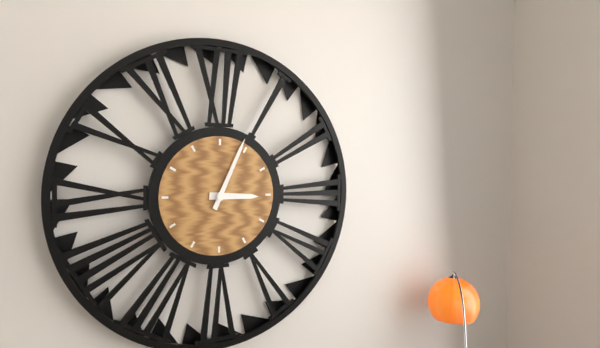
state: 3:04
